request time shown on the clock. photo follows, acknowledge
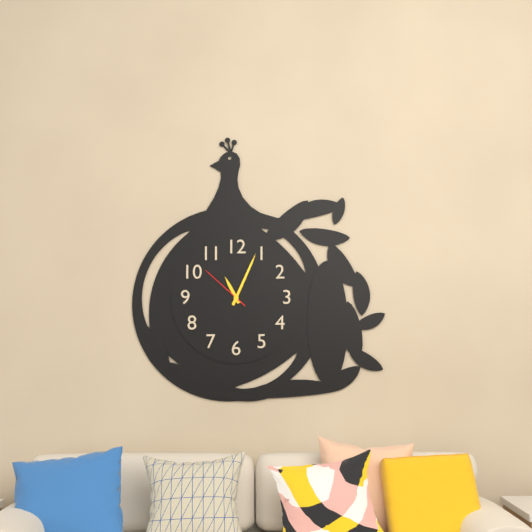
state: 11:04:52
